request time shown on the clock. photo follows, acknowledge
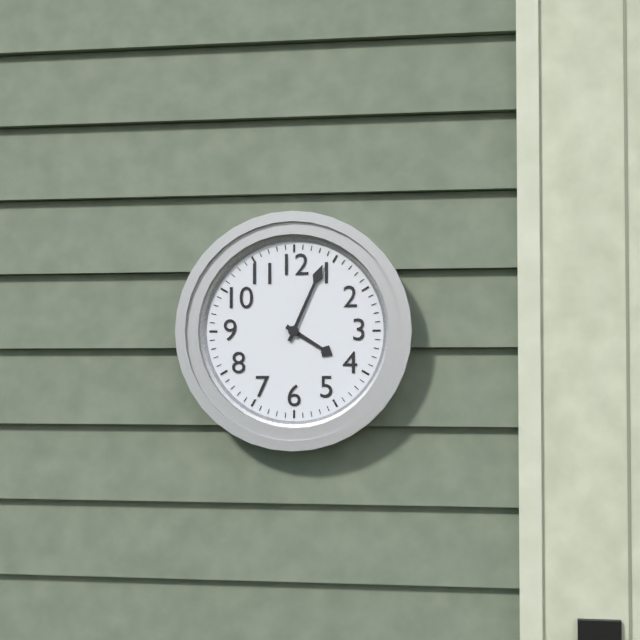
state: 4:04
